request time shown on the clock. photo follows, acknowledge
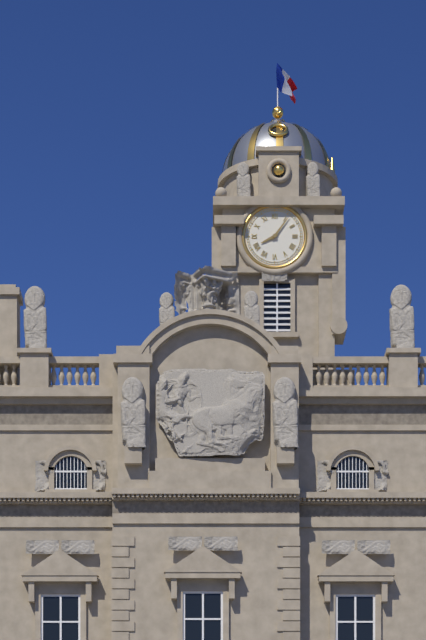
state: 8:06
